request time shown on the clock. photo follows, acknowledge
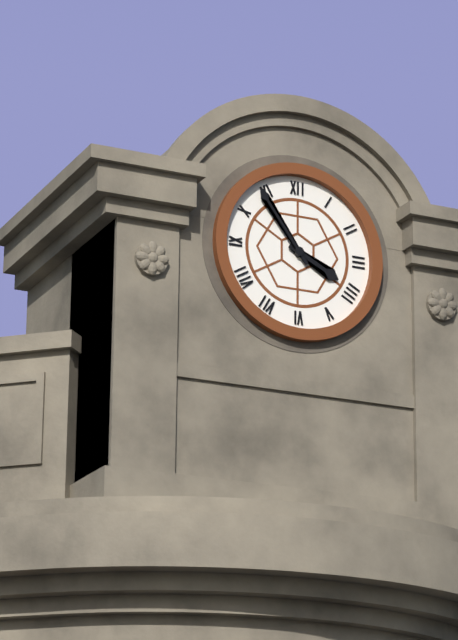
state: 3:54
